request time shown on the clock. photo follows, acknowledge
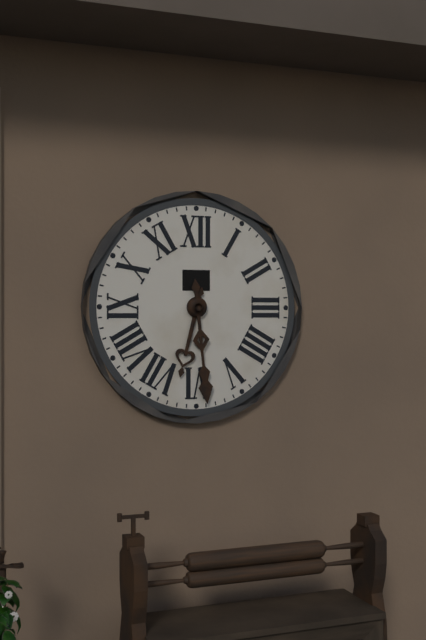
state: 6:29
